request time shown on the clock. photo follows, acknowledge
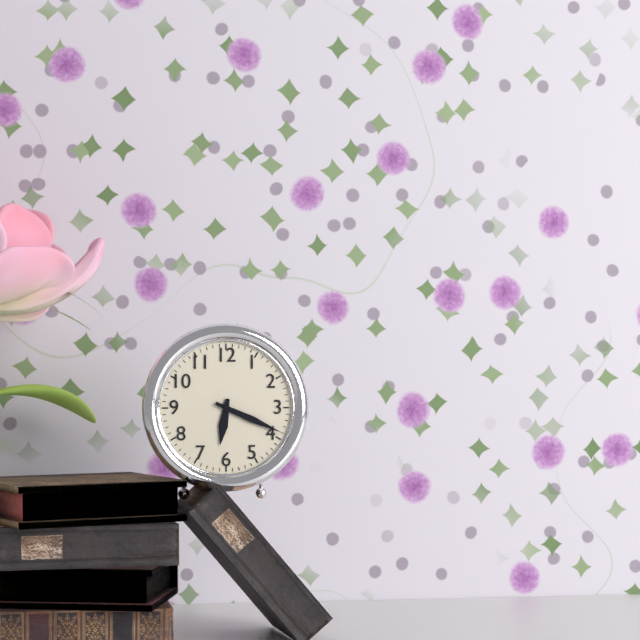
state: 6:19
